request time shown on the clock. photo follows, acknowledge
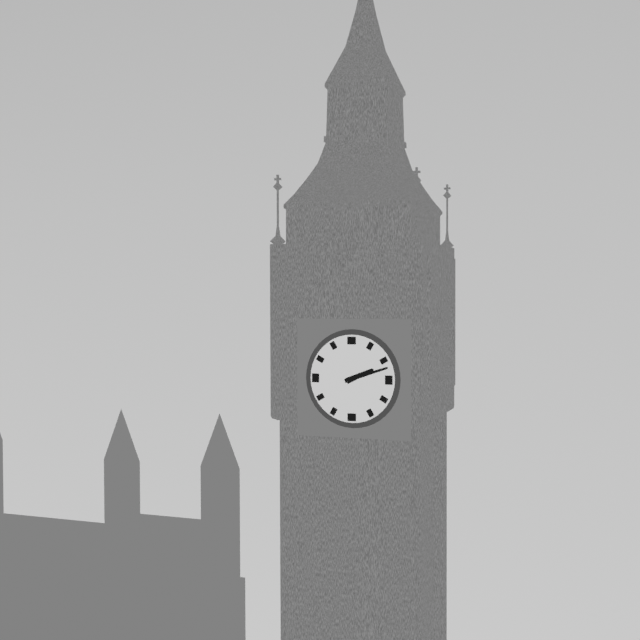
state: 2:12
